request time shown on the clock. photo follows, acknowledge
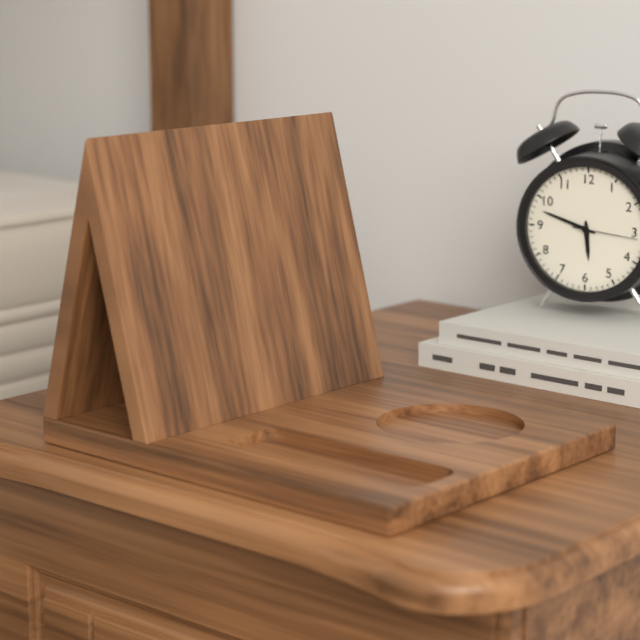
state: 5:48:16
